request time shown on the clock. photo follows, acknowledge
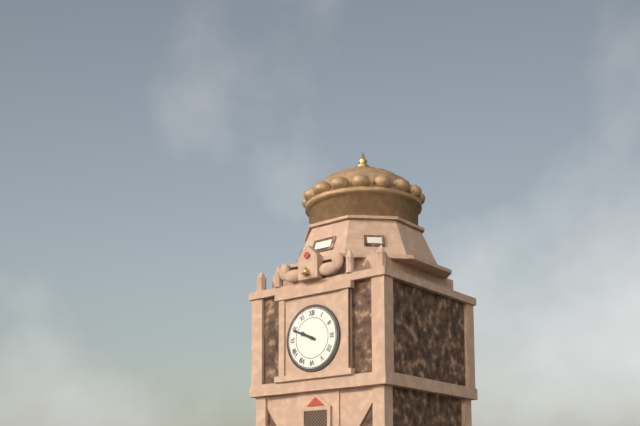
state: 9:49
